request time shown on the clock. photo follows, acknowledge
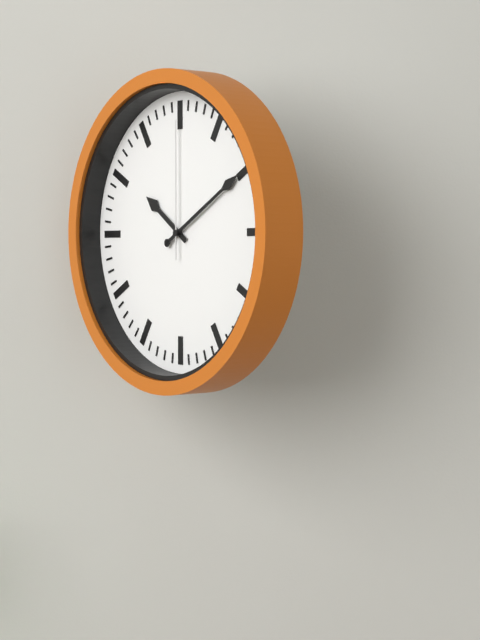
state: 10:10:00
